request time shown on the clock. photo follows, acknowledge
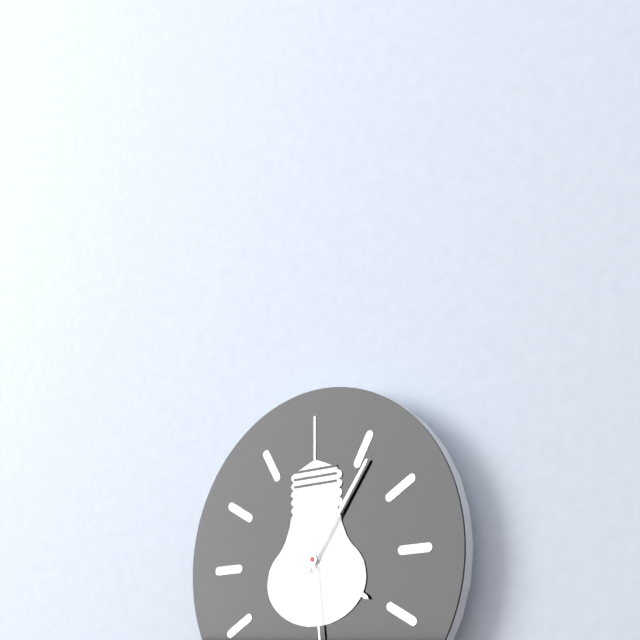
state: 4:06
